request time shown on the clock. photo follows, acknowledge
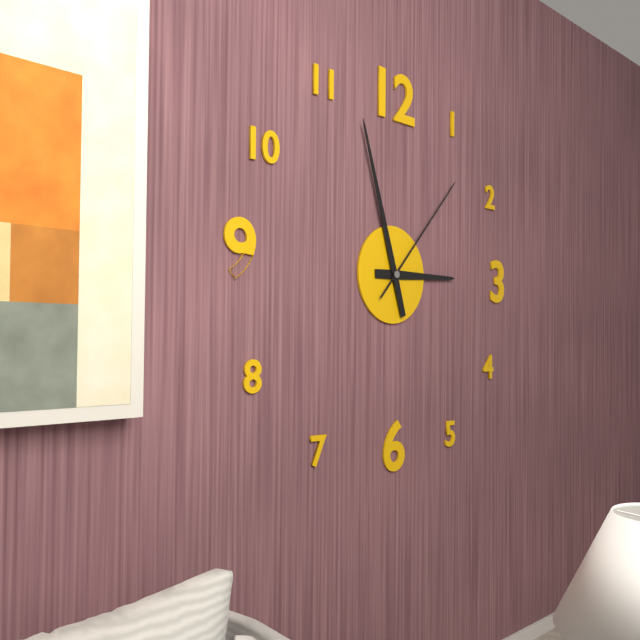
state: 2:57:07
